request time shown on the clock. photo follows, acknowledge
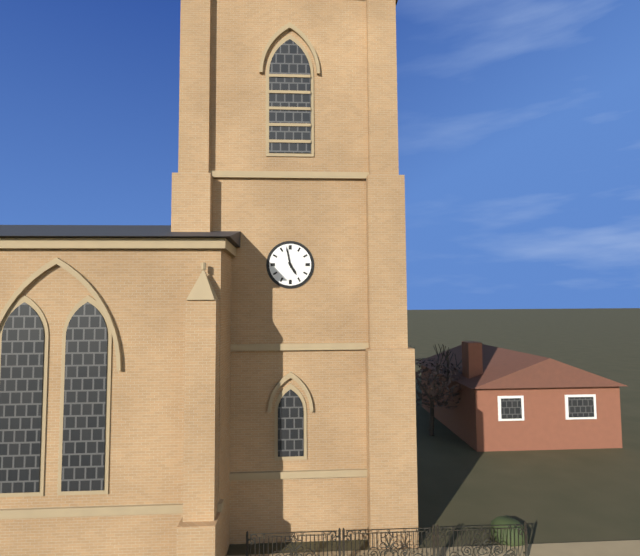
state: 4:58
